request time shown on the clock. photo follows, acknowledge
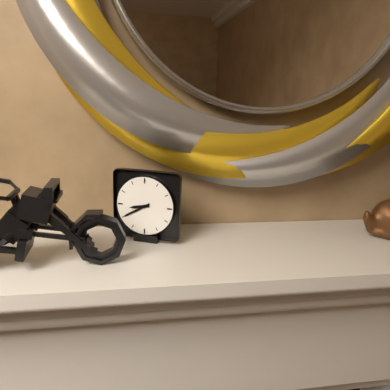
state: 8:40
